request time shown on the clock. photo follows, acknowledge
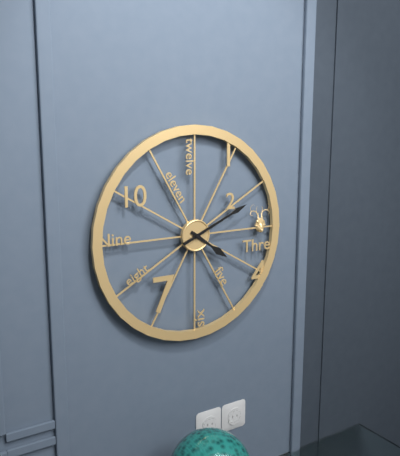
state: 4:11
